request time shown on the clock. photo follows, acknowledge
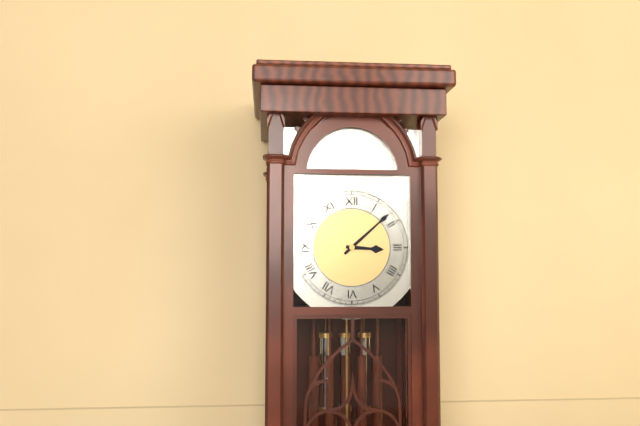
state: 3:08
